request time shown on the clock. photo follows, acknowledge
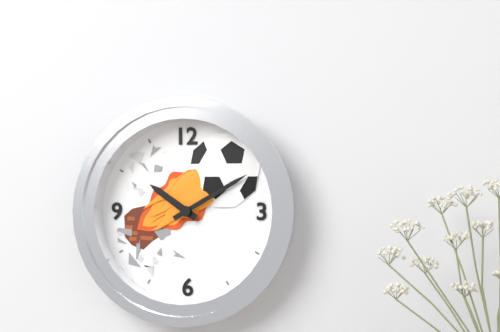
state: 10:10
